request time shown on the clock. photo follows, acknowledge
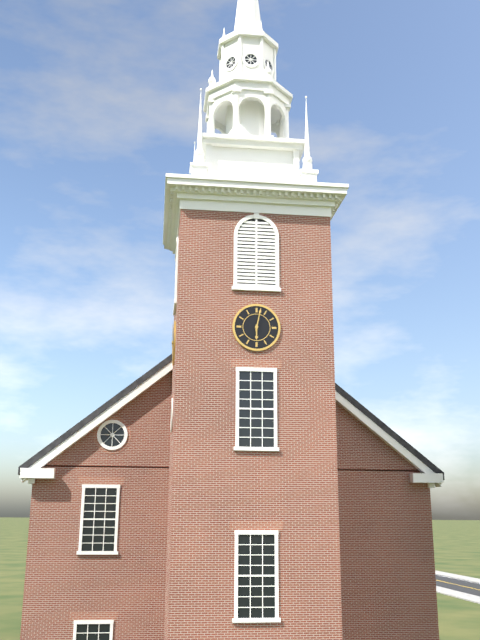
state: 6:02
